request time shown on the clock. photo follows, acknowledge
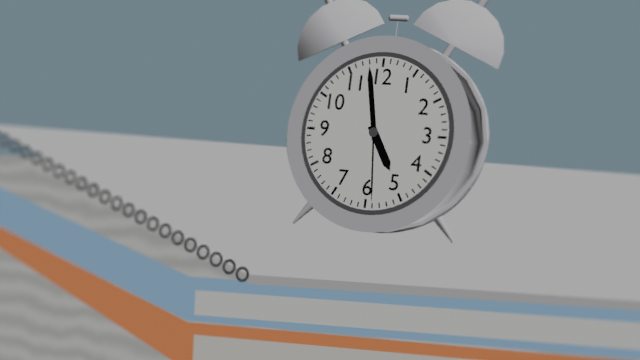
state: 4:58:29
